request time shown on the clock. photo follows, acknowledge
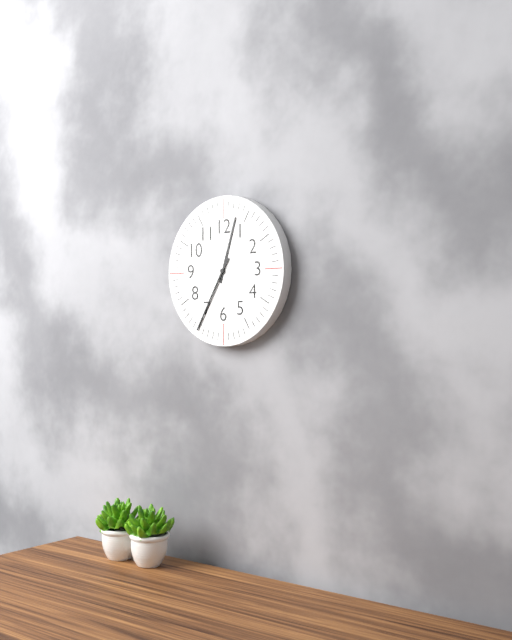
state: 12:35
